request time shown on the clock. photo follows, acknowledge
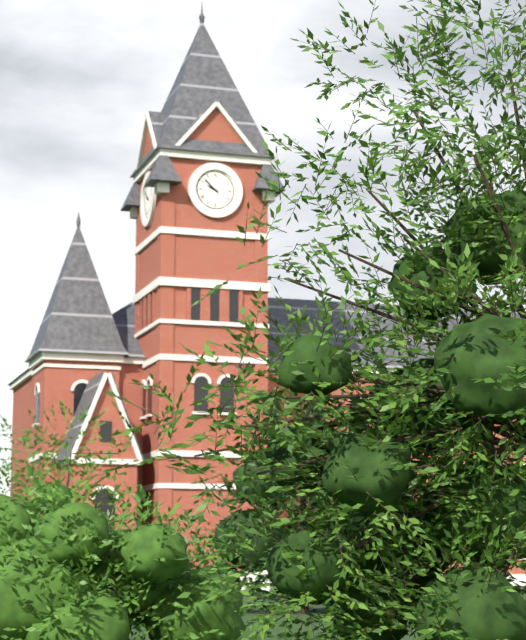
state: 9:52
